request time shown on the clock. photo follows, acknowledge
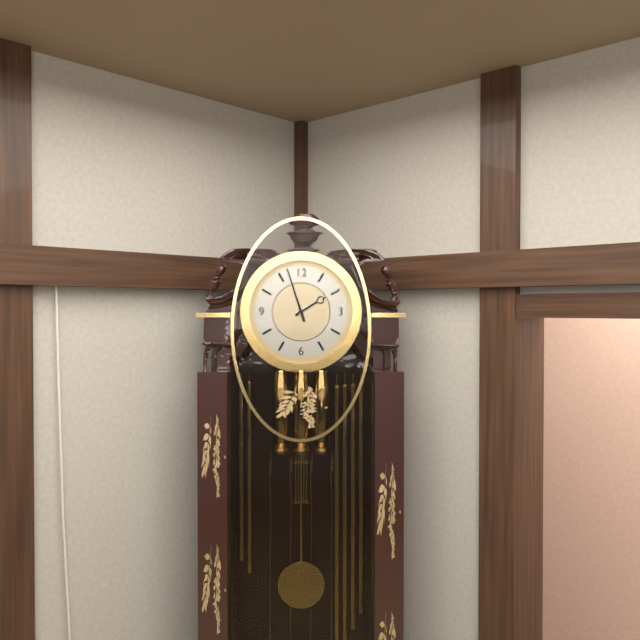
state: 1:57
